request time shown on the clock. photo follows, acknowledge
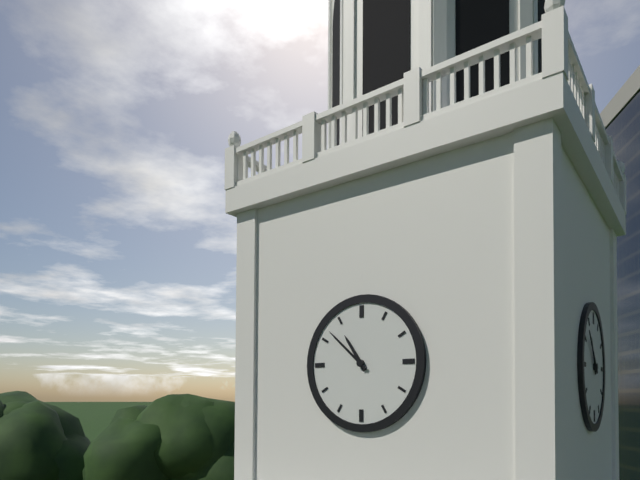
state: 10:52
